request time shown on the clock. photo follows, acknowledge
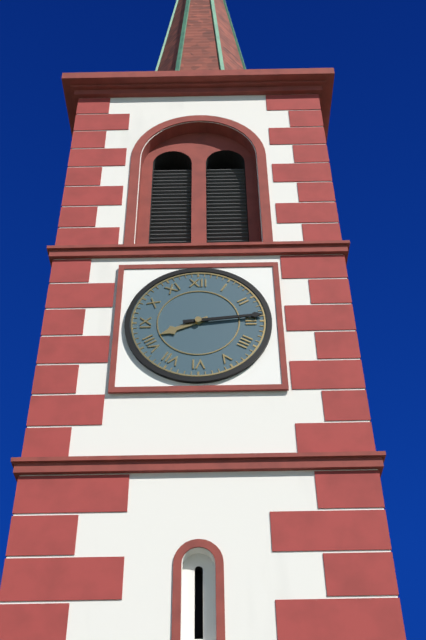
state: 8:14
